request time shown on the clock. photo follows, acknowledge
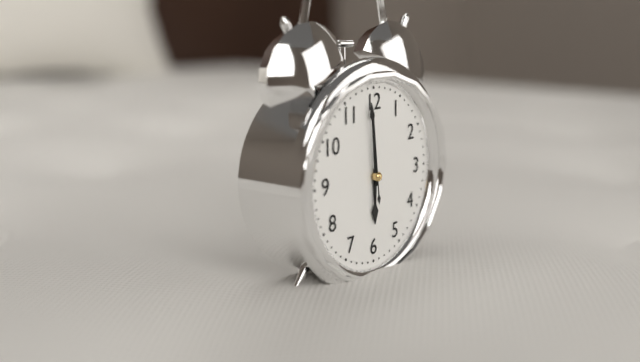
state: 5:59:59
